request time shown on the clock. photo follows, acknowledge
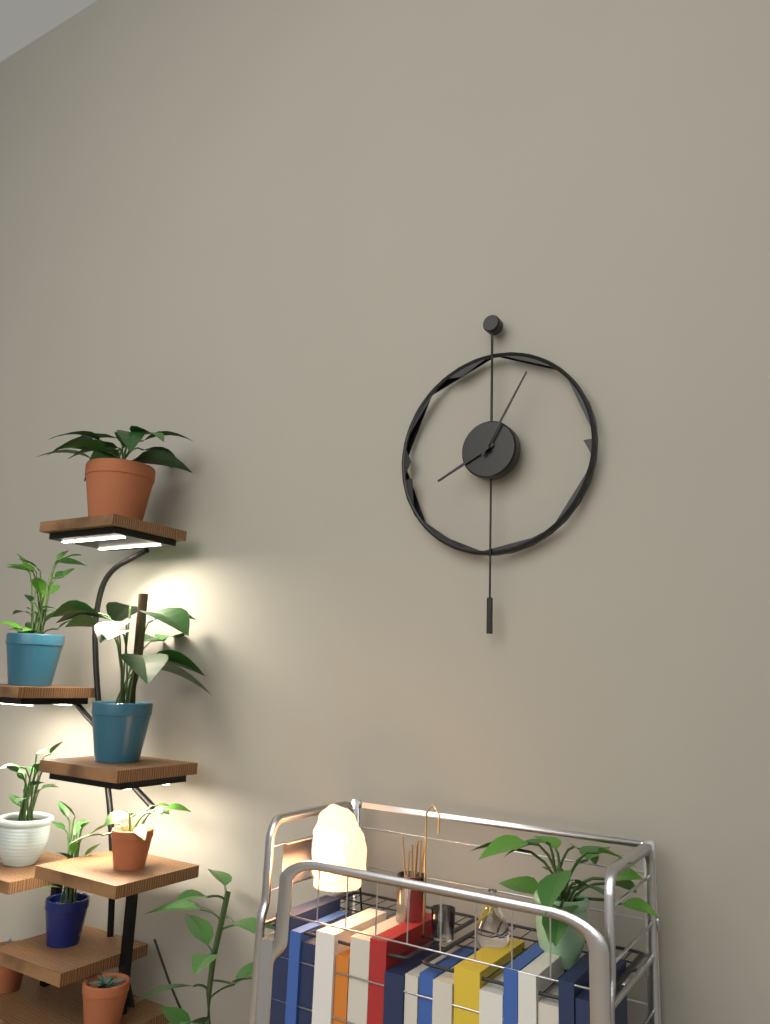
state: 8:05
